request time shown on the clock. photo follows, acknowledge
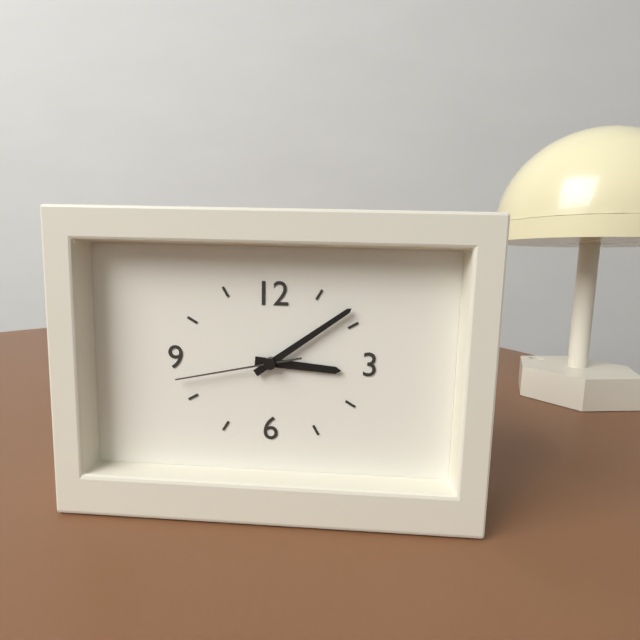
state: 3:09:43
